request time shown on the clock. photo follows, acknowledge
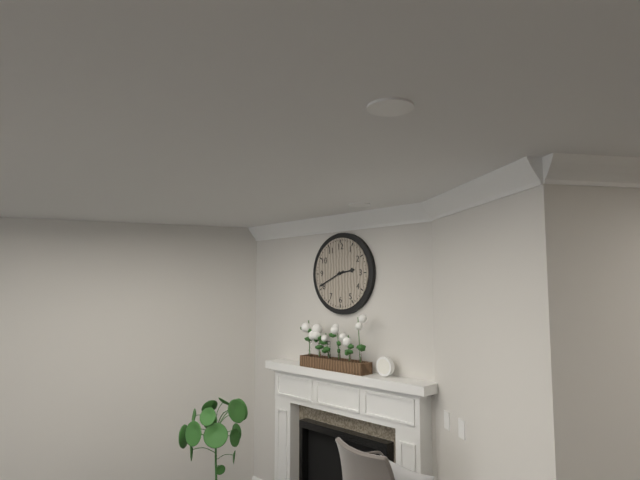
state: 2:41
